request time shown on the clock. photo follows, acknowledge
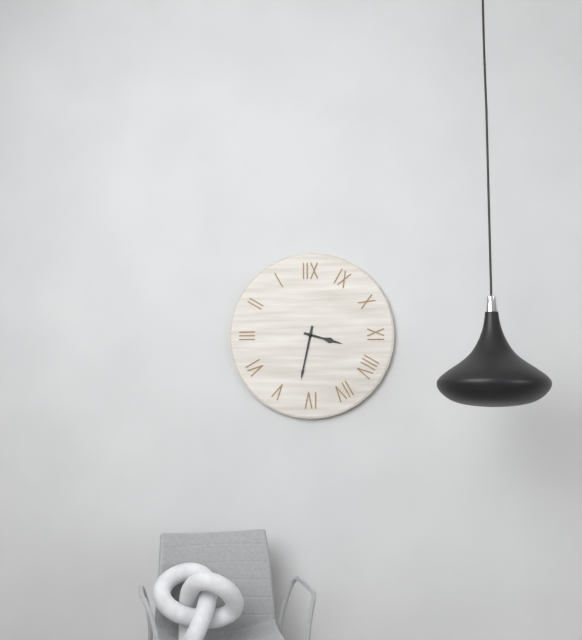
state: 3:32
